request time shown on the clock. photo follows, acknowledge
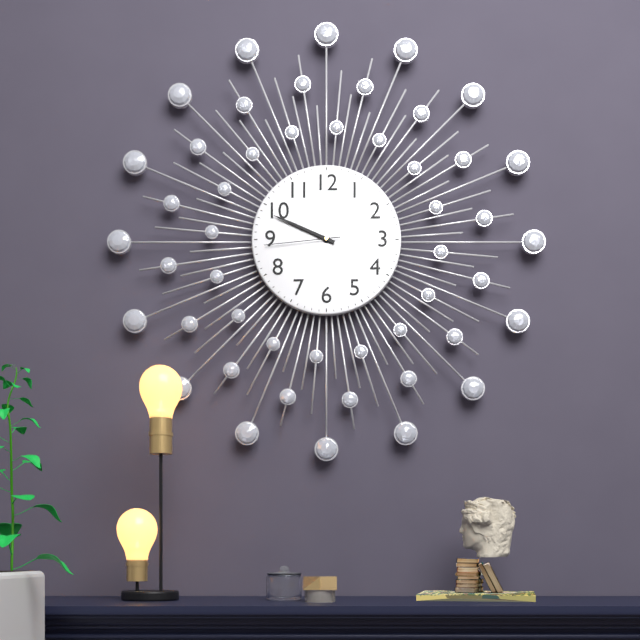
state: 9:49:44
